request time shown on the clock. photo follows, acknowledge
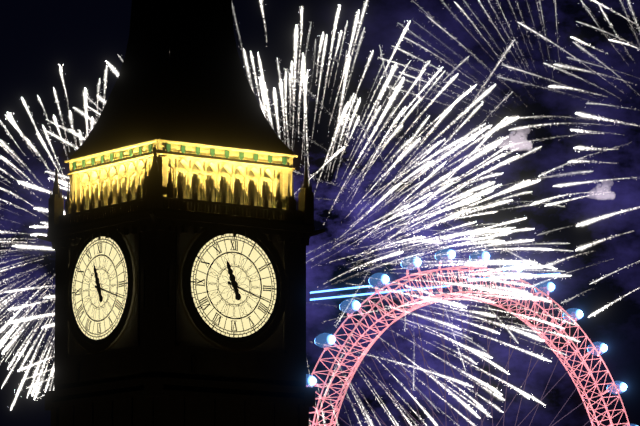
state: 11:18
